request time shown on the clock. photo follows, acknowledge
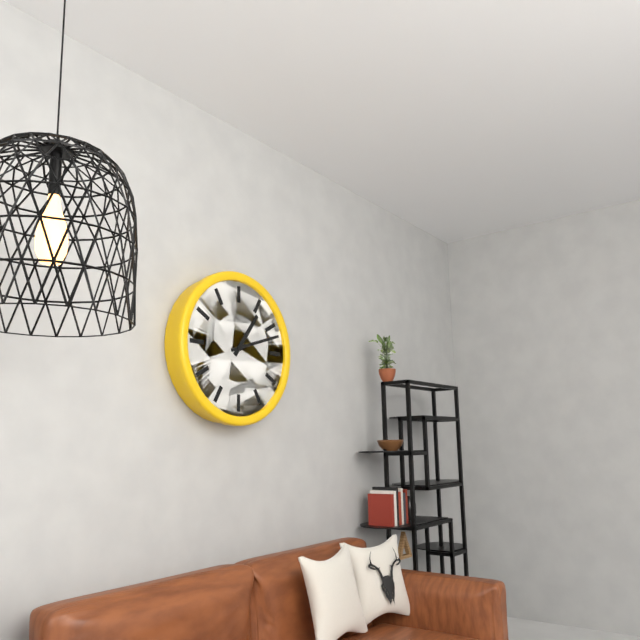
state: 1:12
